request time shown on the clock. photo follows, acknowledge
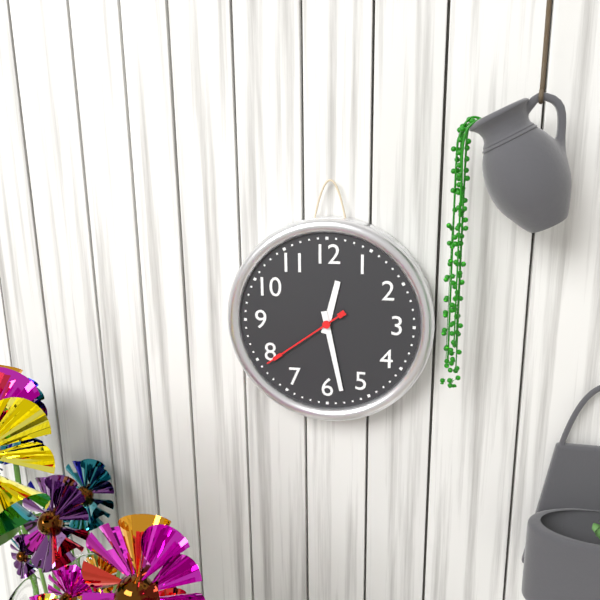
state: 12:28:39
